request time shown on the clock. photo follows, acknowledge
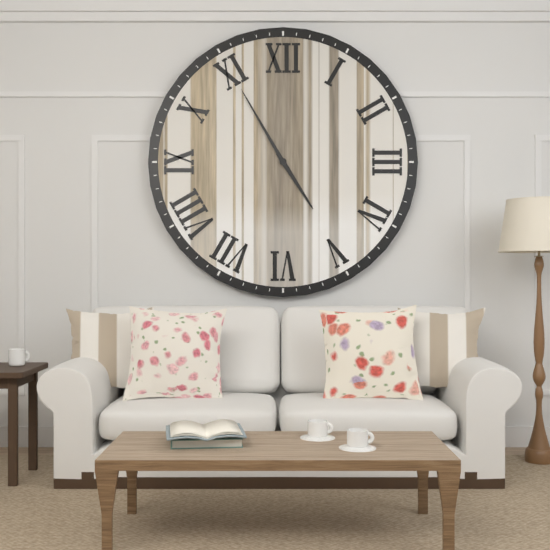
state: 4:55
